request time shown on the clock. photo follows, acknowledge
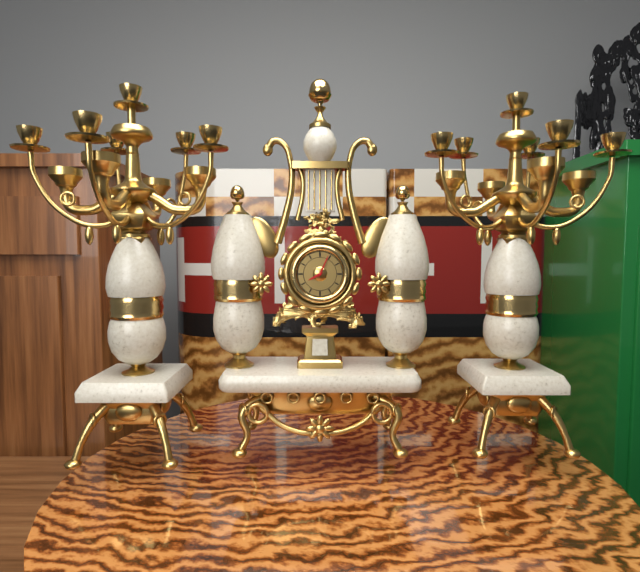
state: 8:04
